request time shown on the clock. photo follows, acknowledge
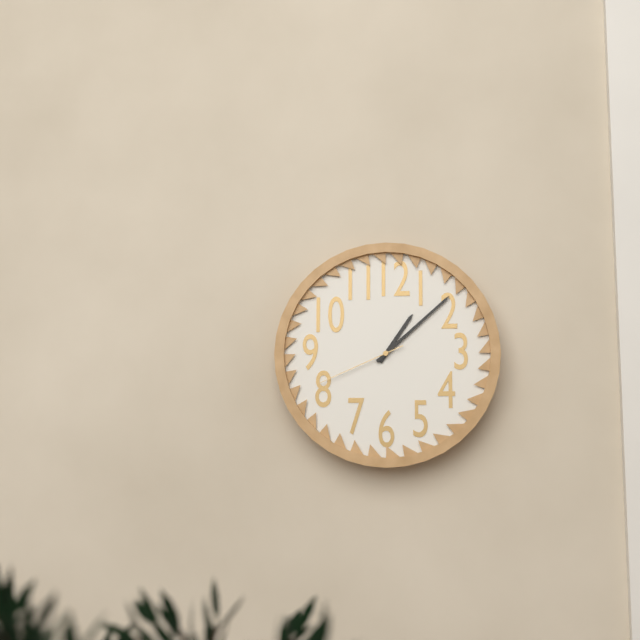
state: 1:08:41
